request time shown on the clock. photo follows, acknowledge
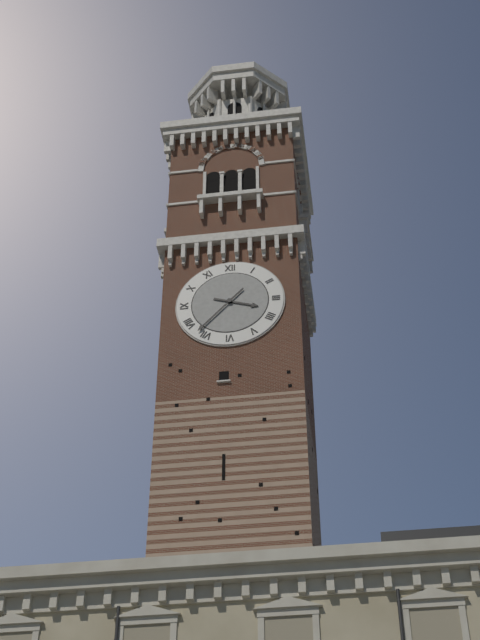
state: 3:37
